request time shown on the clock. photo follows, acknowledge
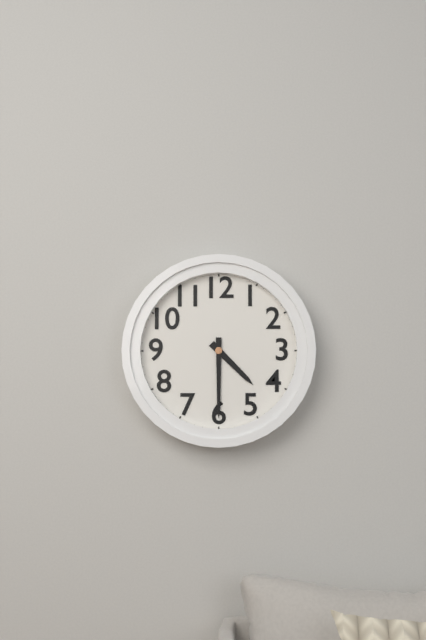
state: 4:30
